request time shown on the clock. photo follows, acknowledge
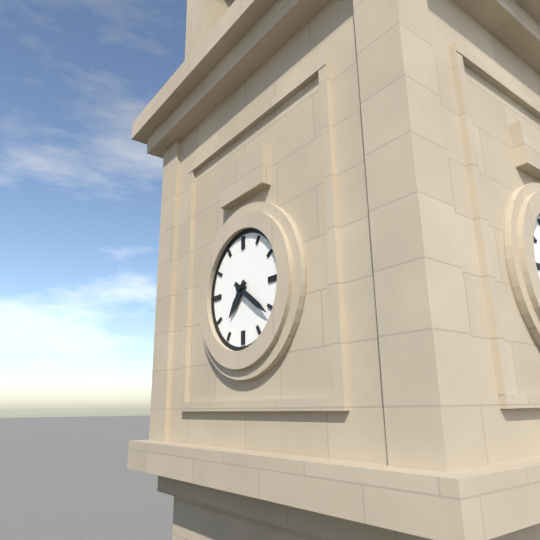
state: 7:21
